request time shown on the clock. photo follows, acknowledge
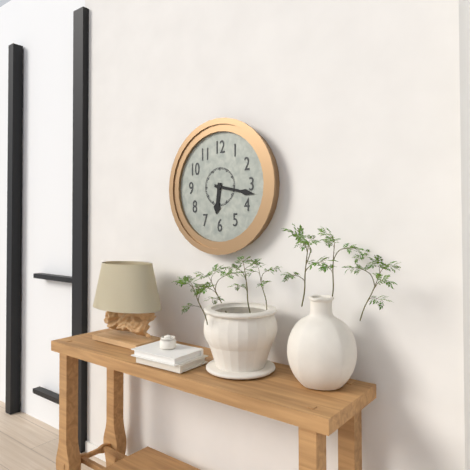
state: 6:17
